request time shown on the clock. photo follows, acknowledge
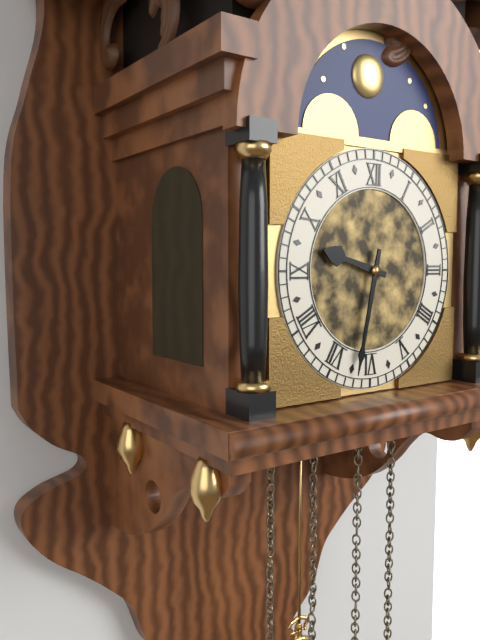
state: 9:32
